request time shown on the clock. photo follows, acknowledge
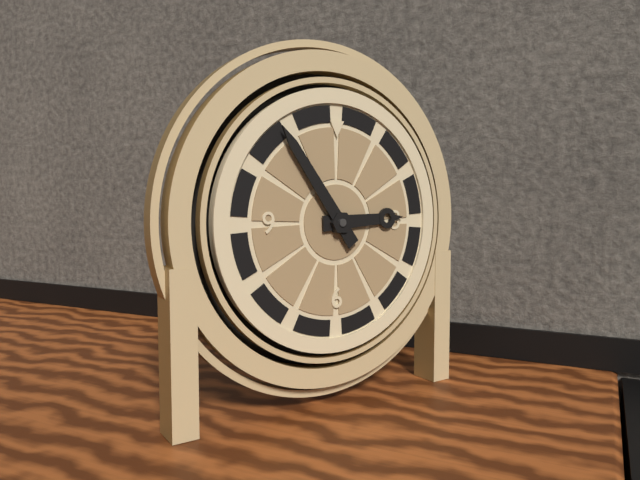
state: 2:54
